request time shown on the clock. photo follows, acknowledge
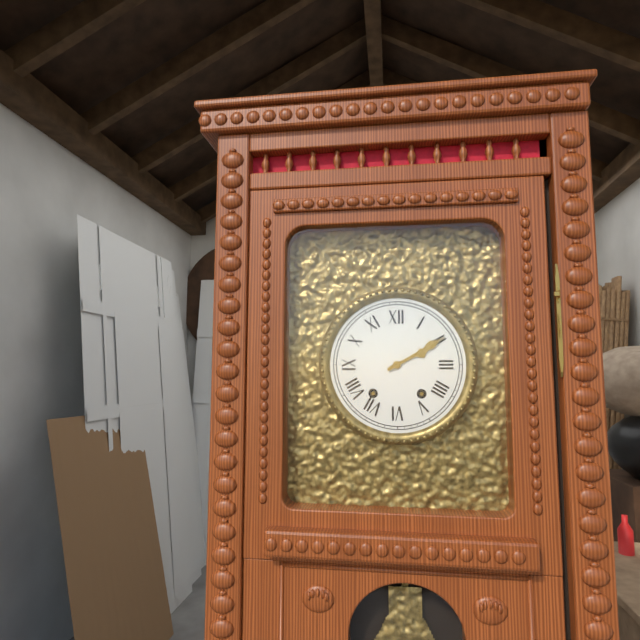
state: 2:10
